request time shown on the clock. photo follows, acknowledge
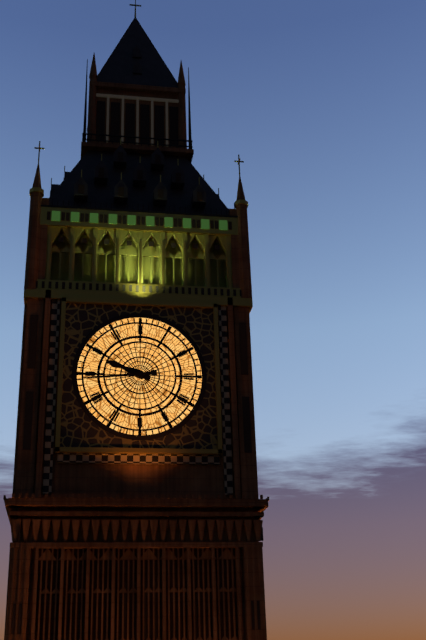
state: 9:44
